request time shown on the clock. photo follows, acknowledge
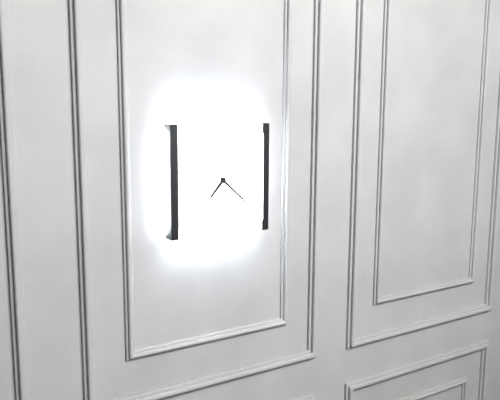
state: 7:22
